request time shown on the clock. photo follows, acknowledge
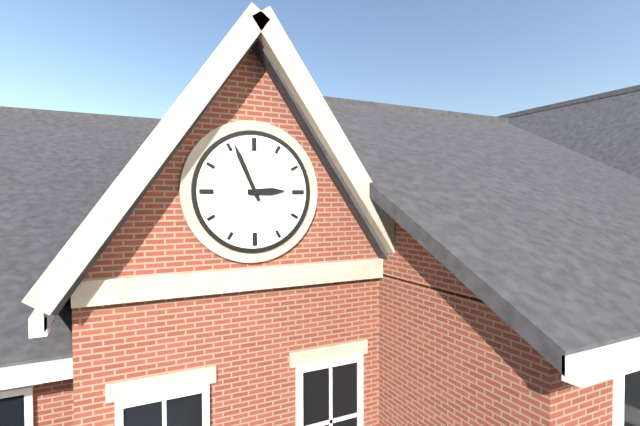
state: 2:56
